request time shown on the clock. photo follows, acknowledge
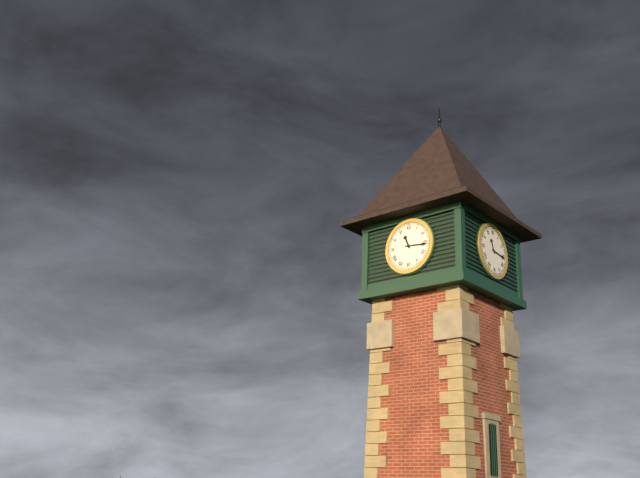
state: 11:16
